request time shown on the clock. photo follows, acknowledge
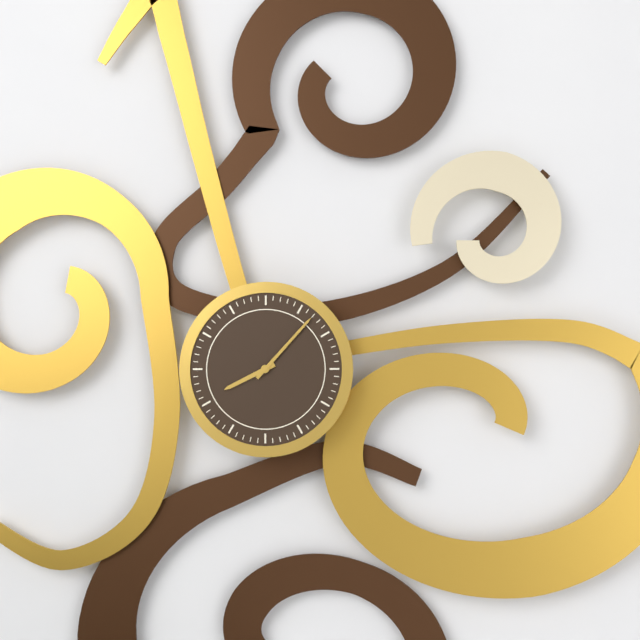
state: 8:07
